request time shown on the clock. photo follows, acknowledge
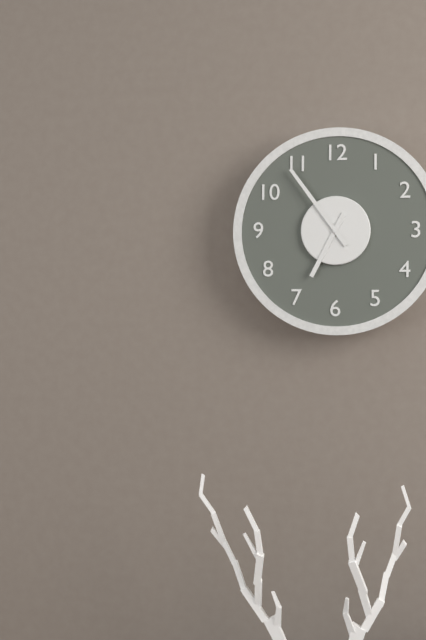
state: 6:54
